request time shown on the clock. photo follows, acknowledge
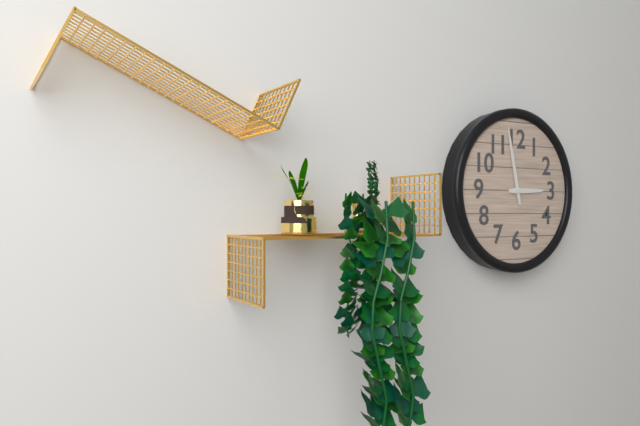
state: 2:58
